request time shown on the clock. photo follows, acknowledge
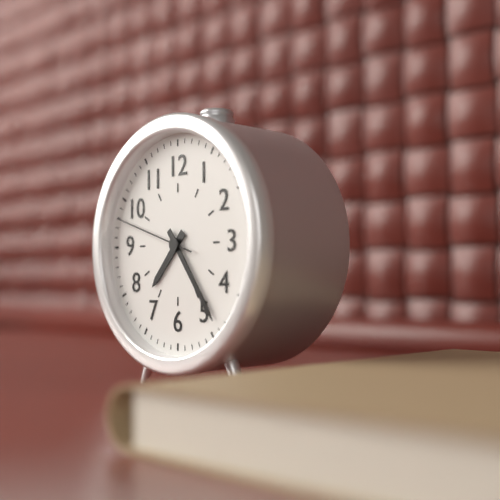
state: 7:24:48
